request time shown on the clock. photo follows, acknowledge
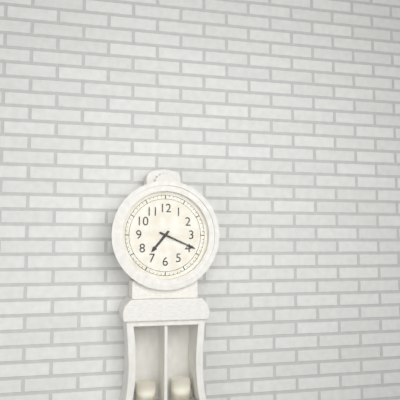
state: 7:19
